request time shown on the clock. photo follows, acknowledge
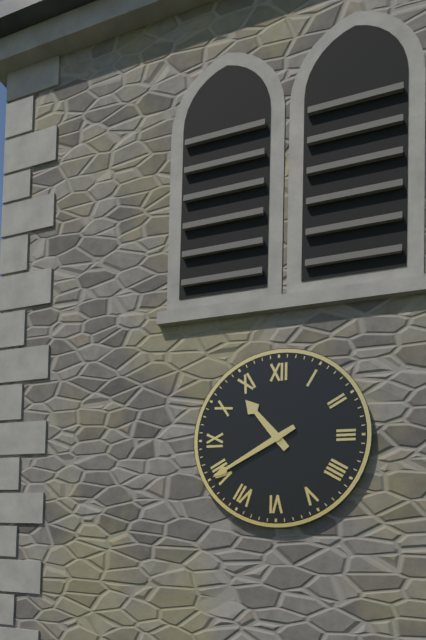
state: 10:40
